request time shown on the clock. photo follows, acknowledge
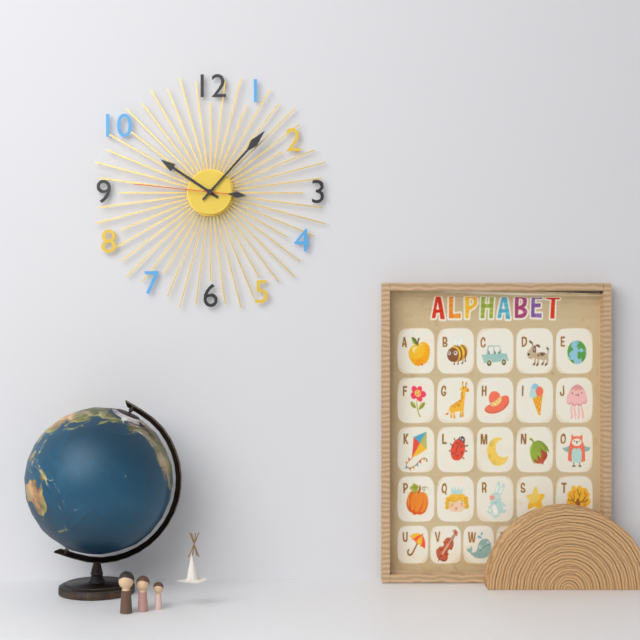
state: 10:07:46
